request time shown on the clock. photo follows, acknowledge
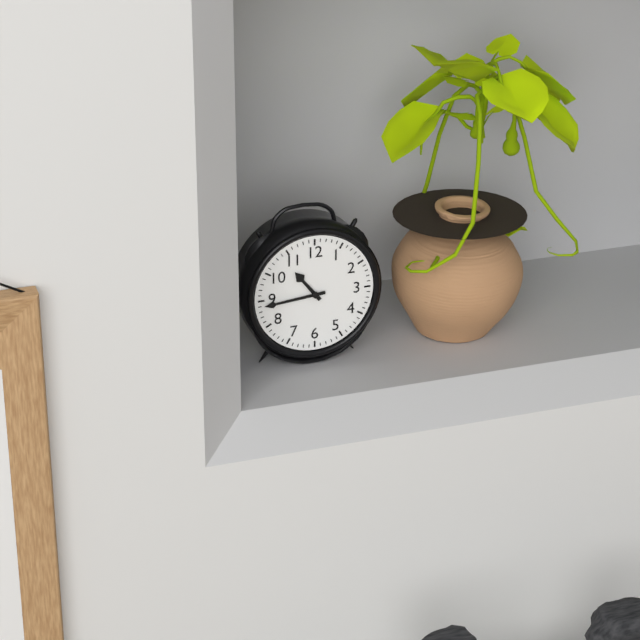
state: 10:44
